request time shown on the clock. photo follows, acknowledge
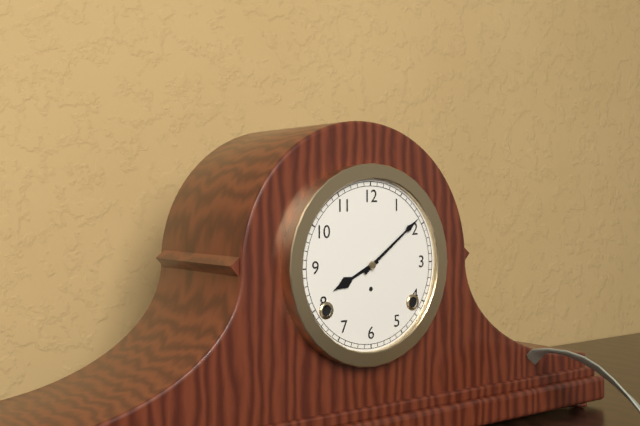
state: 8:09
